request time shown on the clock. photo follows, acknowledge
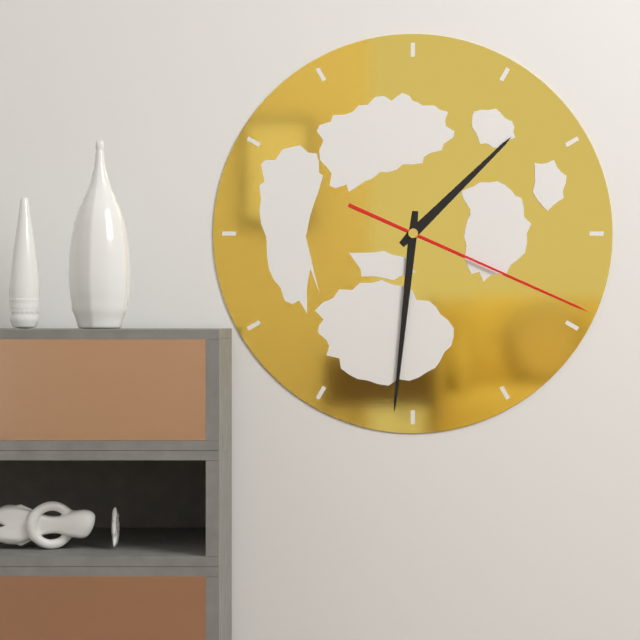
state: 1:31:19
